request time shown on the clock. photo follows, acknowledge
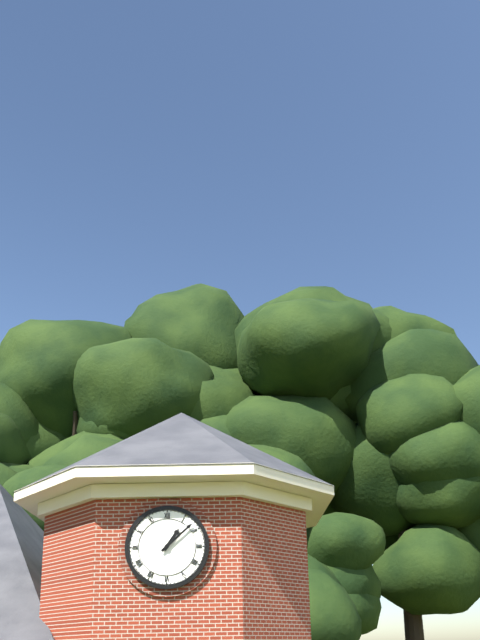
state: 1:08
